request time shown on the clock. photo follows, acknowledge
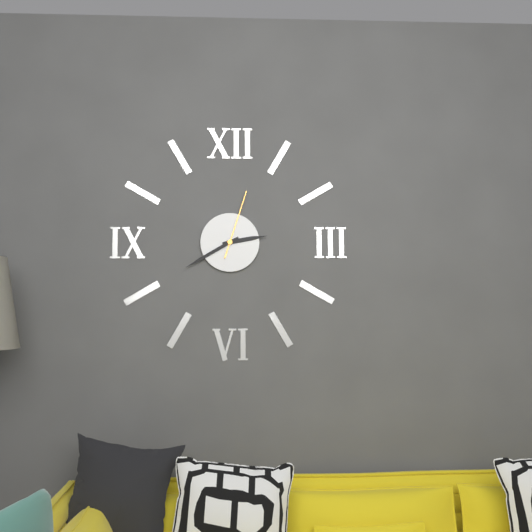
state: 2:40:03
